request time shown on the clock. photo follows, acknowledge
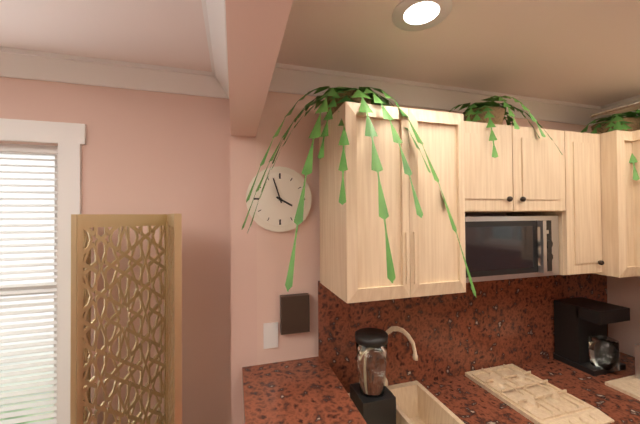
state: 3:57
